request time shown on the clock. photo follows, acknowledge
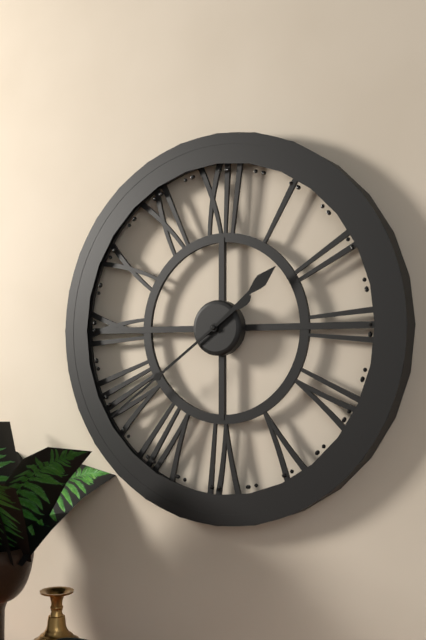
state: 1:39
